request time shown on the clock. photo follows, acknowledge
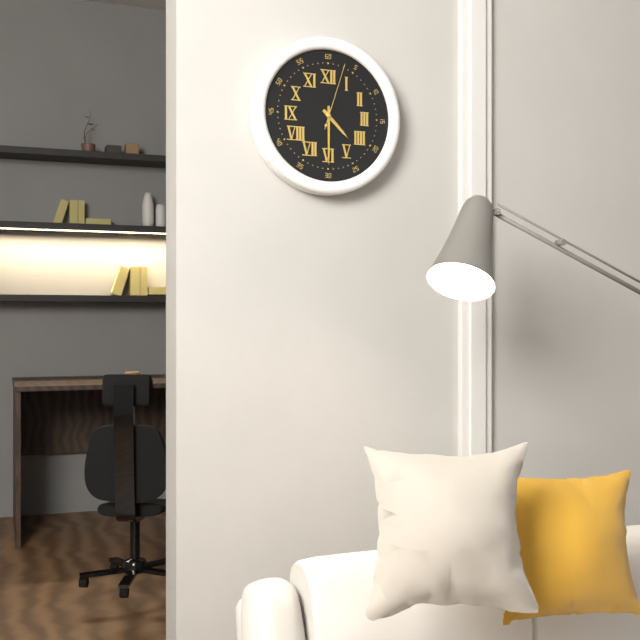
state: 4:30:03
